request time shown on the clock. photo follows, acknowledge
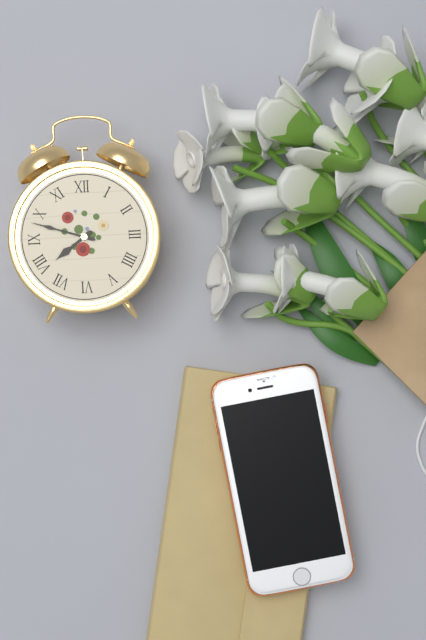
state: 7:48
